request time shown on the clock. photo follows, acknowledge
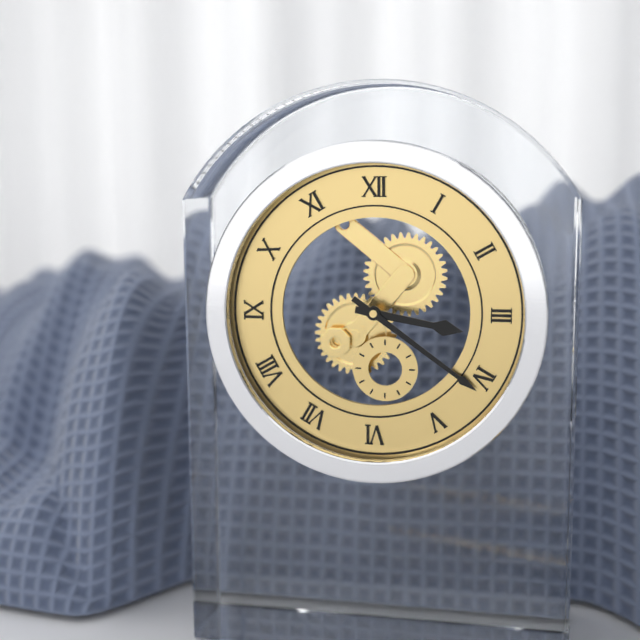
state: 3:21
